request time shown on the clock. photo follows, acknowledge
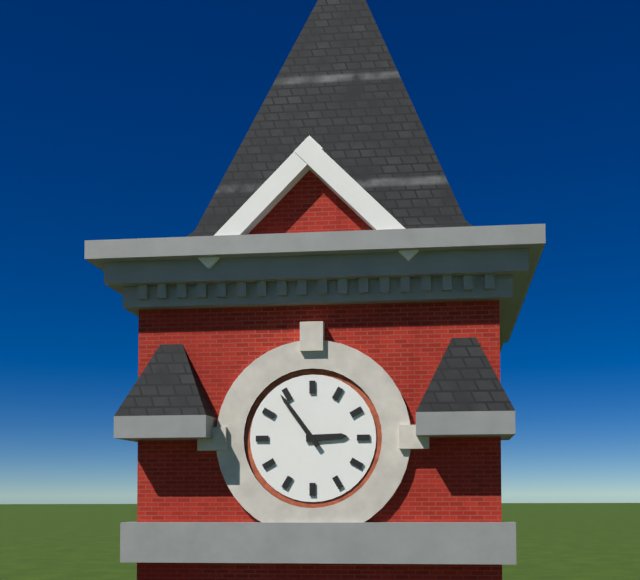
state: 2:54
